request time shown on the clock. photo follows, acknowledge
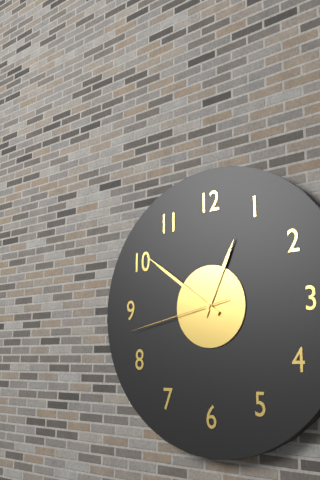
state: 12:51:43
